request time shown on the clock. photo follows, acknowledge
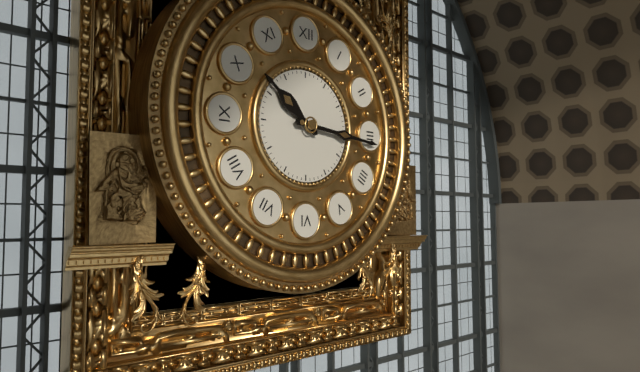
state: 10:16
